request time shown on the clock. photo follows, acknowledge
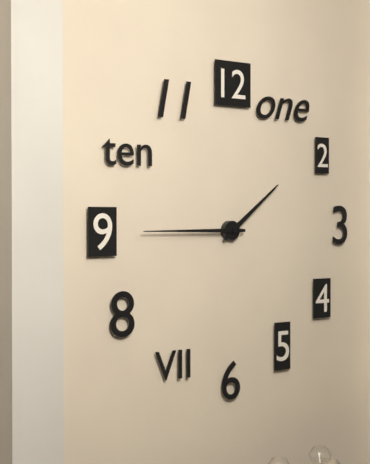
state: 1:45
